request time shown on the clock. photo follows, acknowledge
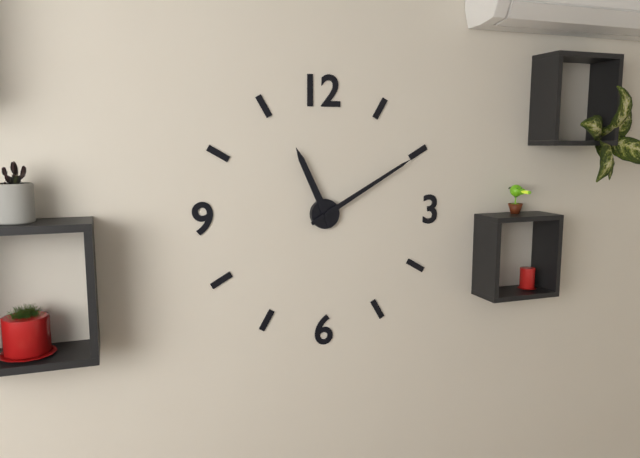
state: 11:10
